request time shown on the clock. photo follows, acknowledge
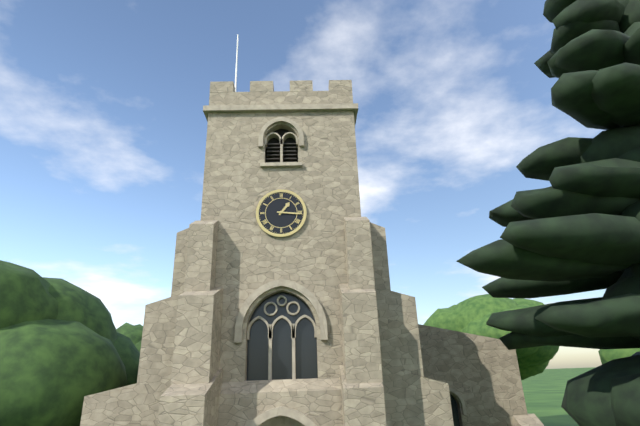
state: 1:16
